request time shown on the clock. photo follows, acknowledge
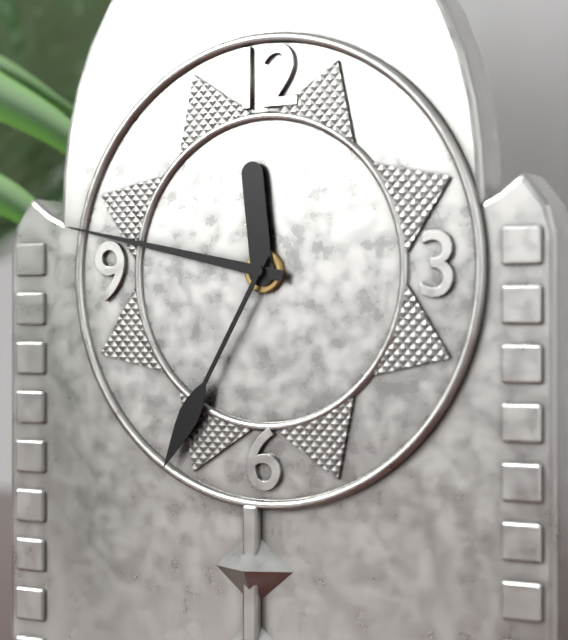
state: 11:47:35
